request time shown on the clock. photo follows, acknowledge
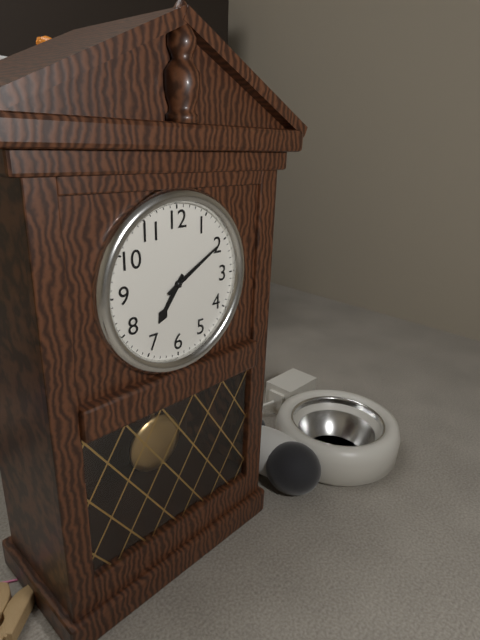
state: 7:10
